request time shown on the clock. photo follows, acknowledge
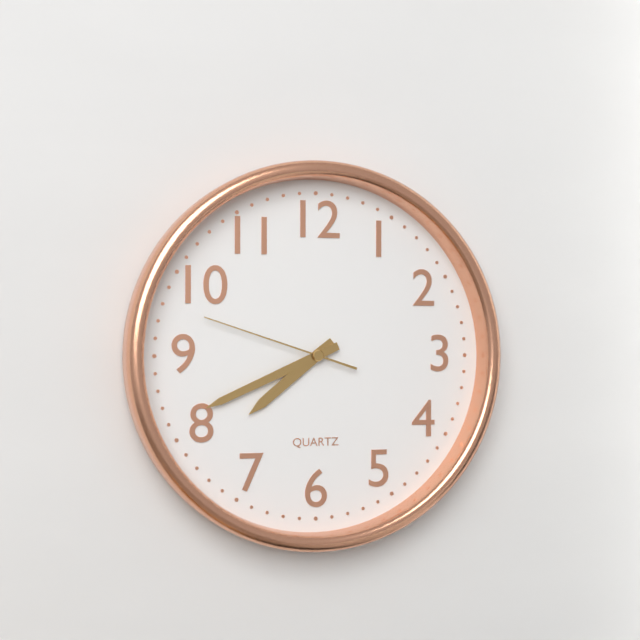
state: 7:41:48
